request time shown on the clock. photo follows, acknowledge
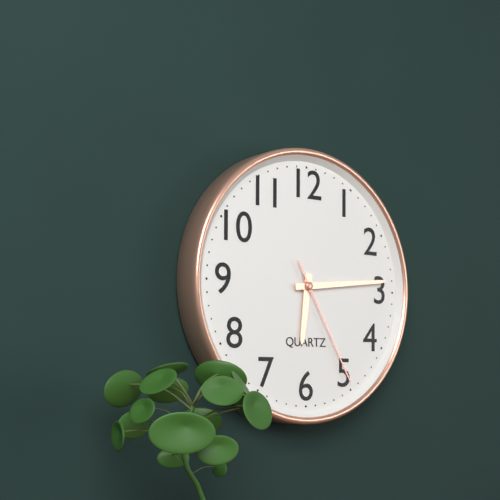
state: 6:14:25
